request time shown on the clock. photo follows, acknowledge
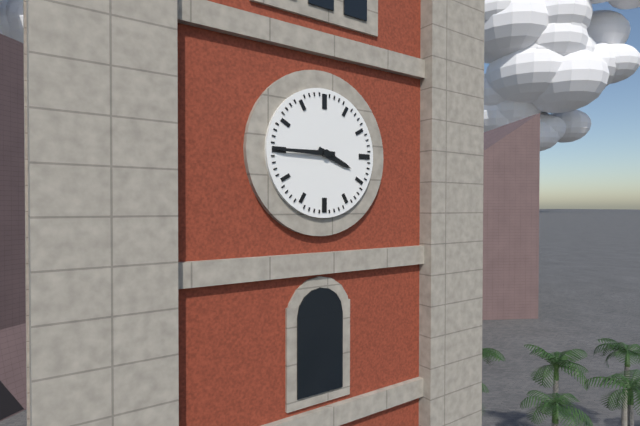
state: 3:45
